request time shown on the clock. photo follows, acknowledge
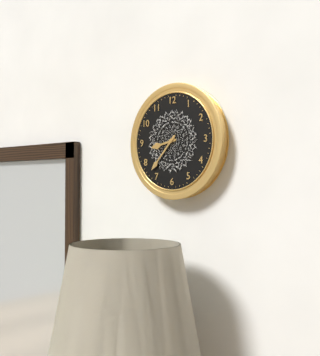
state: 8:37
